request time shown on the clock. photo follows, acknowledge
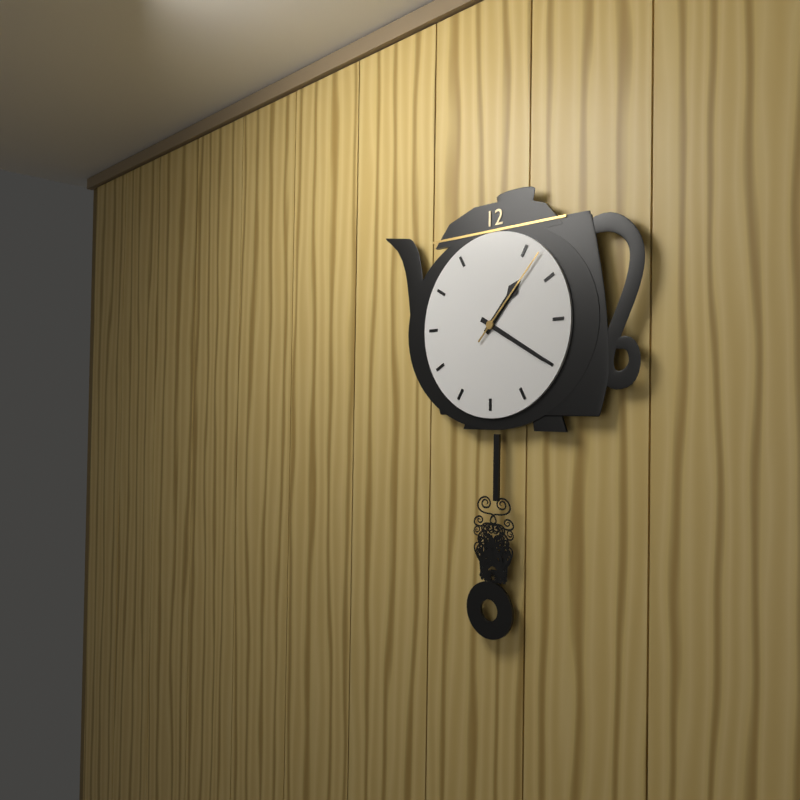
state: 1:20:07
